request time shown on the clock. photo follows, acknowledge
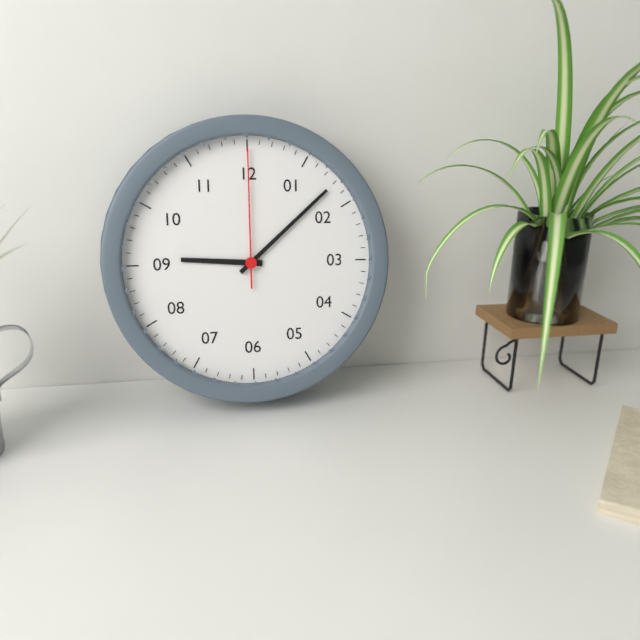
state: 9:08:00
